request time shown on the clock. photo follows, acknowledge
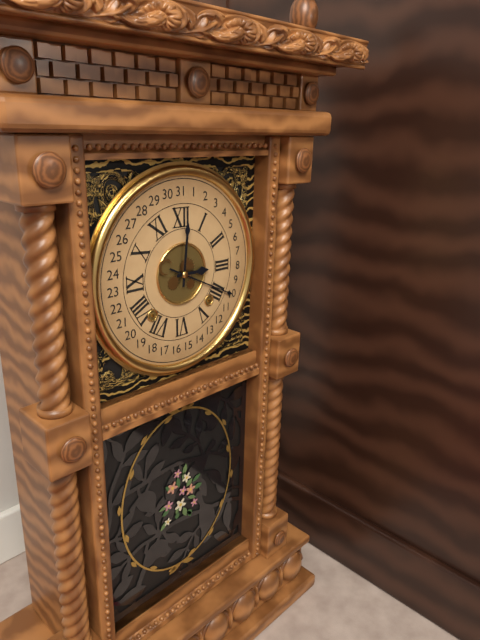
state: 3:01
